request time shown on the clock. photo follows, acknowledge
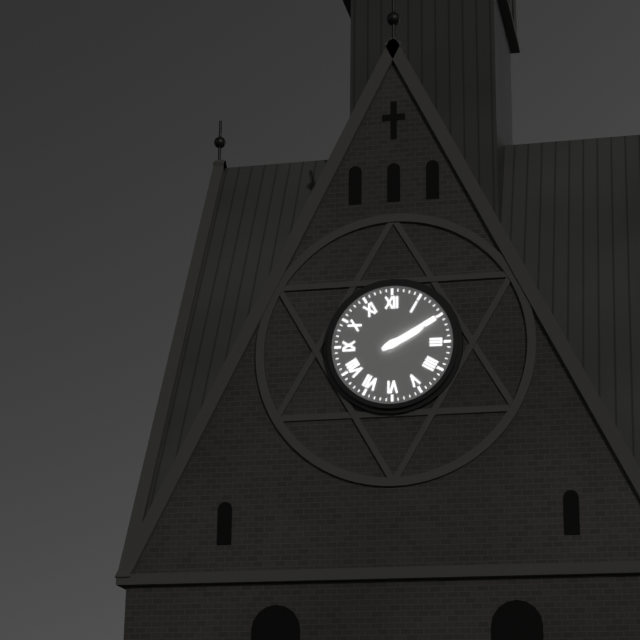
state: 2:10
